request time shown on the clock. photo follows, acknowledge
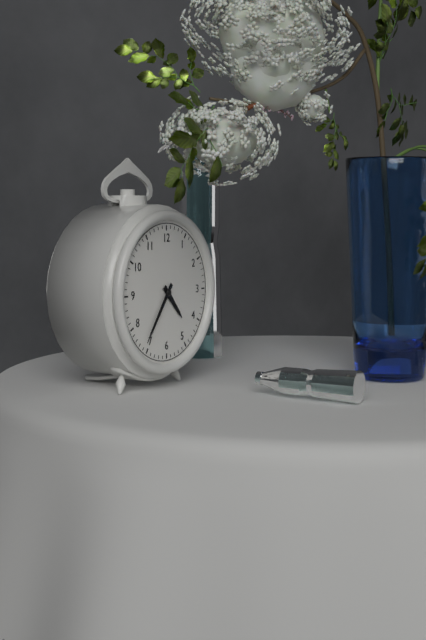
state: 4:36
